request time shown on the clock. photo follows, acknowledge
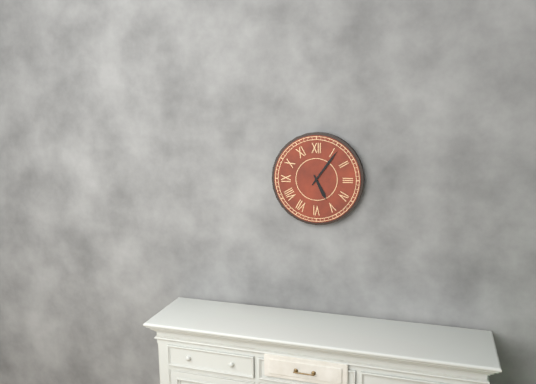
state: 5:06
